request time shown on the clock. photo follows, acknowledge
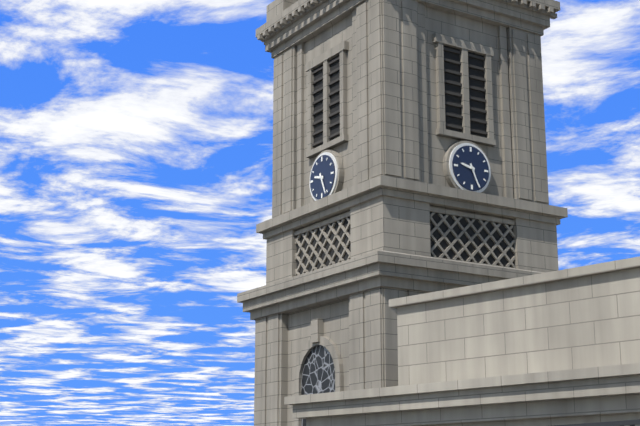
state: 9:26
